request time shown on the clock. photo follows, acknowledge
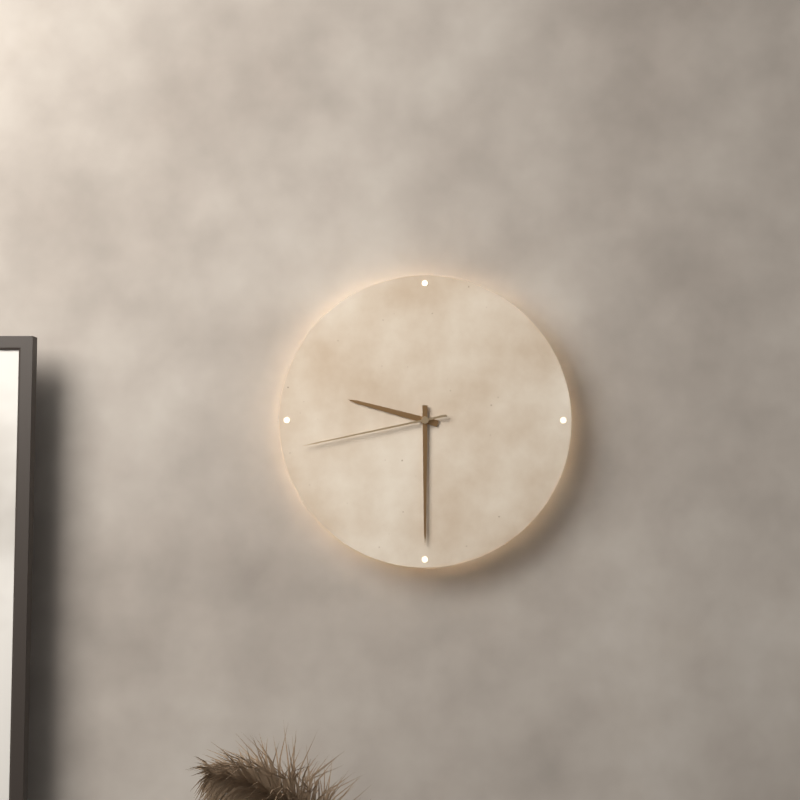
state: 9:30:43
